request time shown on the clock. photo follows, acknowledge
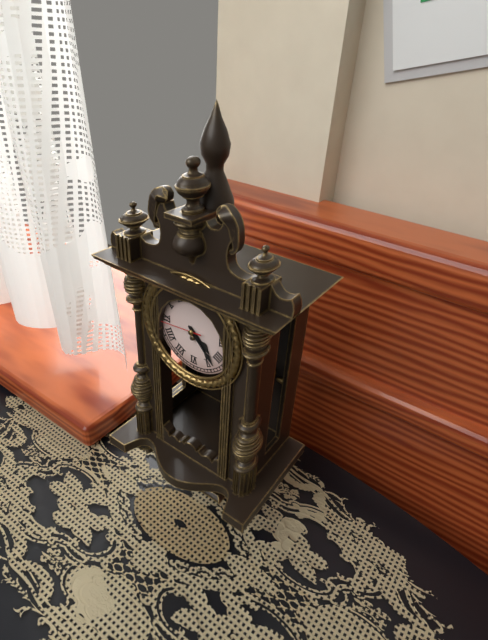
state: 4:23
